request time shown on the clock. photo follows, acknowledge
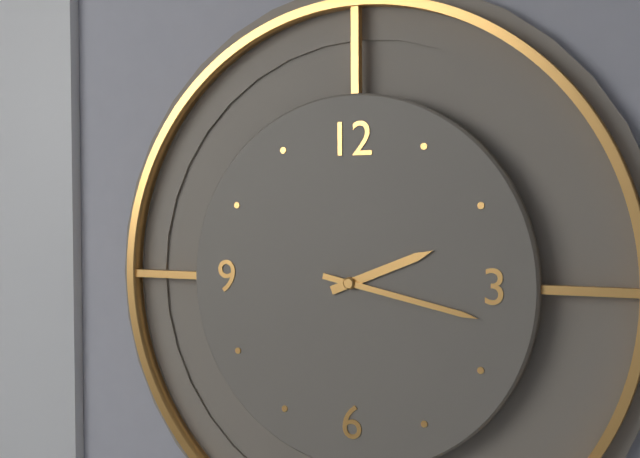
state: 2:17
